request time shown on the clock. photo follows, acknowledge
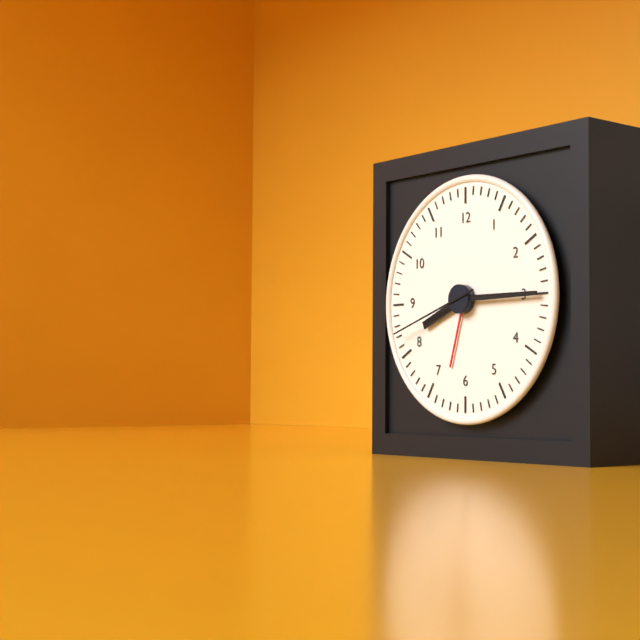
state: 8:15:42
